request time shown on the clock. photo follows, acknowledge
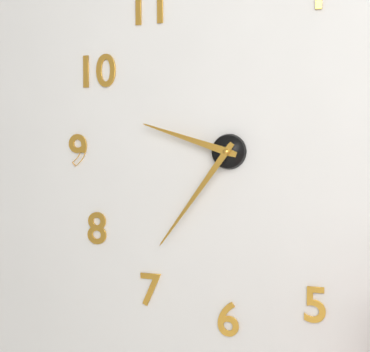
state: 9:36
